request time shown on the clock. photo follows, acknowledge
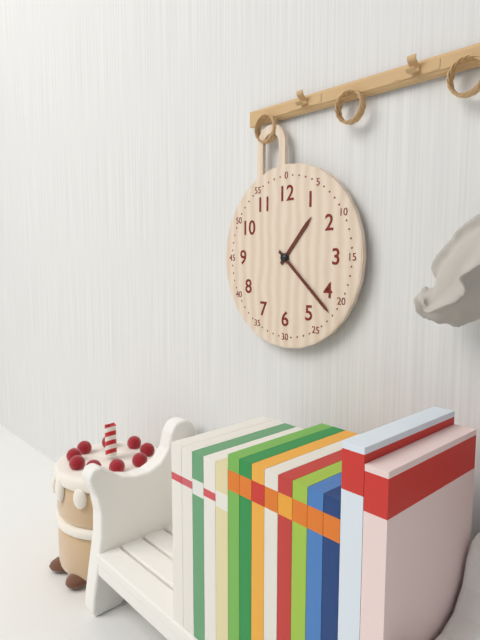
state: 1:22
